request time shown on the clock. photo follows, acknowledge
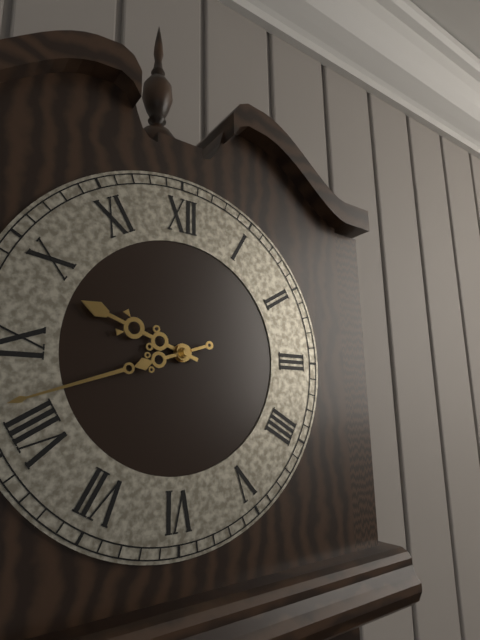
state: 9:42
